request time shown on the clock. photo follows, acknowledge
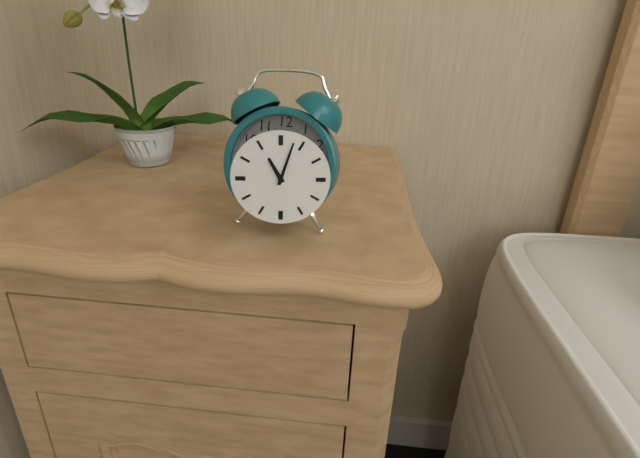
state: 11:03
